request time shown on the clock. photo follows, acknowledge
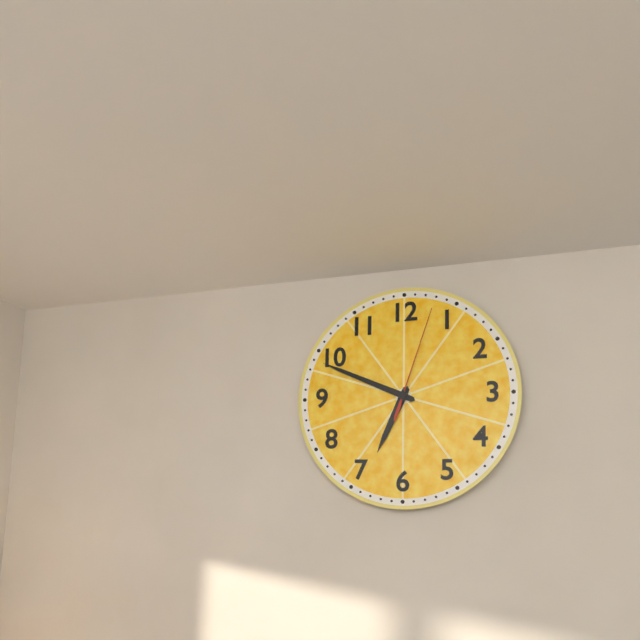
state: 6:49:03
